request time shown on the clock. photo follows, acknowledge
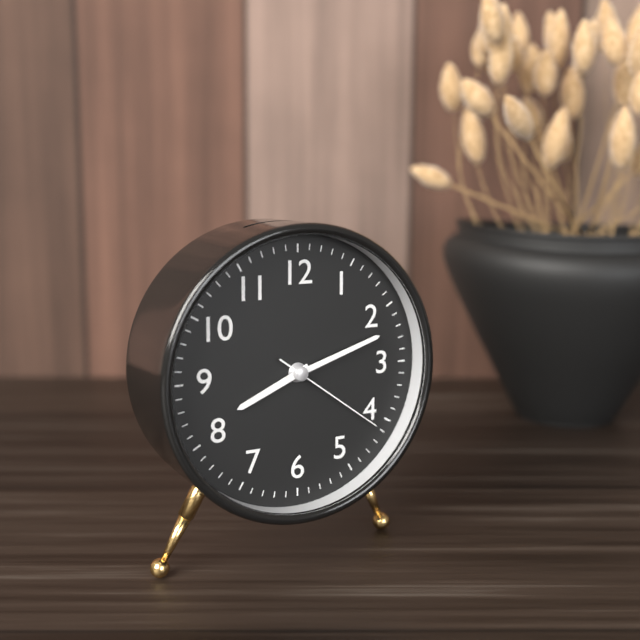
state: 8:12:21
